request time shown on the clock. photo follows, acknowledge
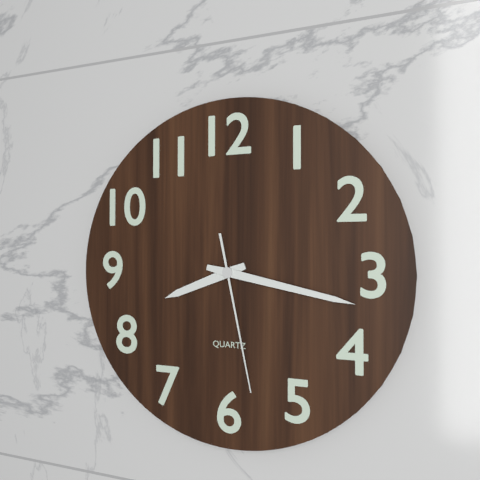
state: 8:17:28
